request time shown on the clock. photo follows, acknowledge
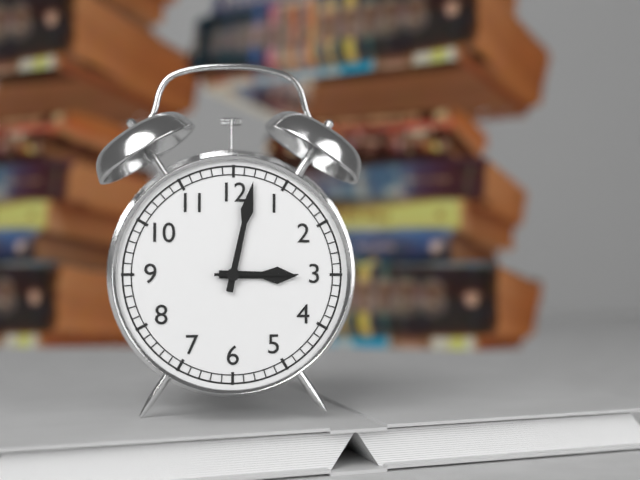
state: 3:02:15
